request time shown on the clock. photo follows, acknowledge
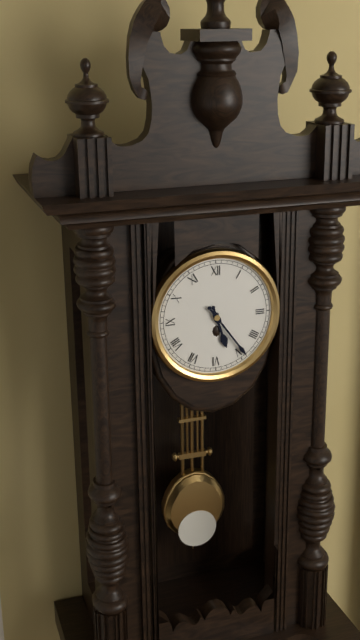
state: 5:24
